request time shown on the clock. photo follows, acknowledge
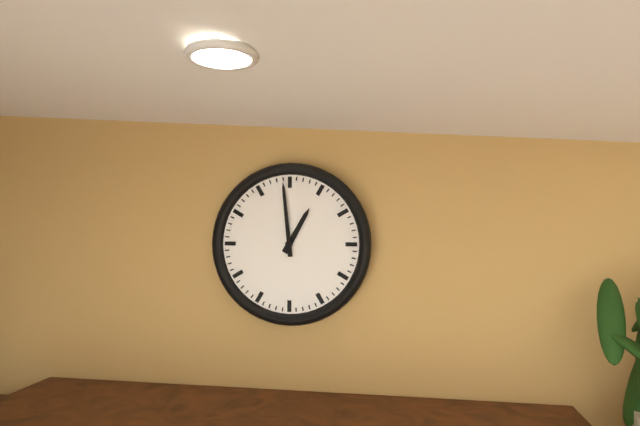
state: 12:59
